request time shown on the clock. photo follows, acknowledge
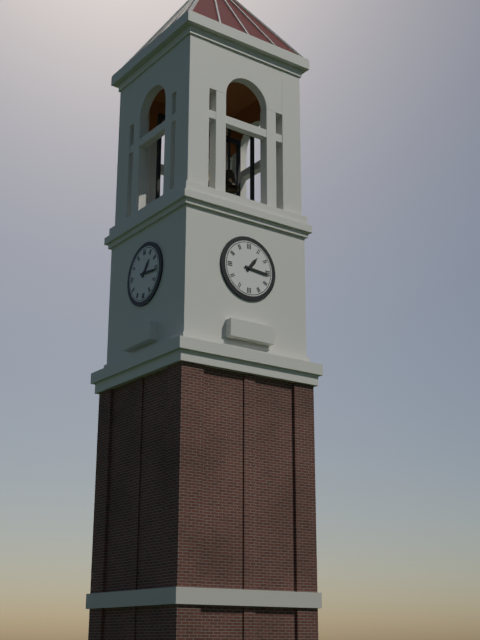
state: 1:16
